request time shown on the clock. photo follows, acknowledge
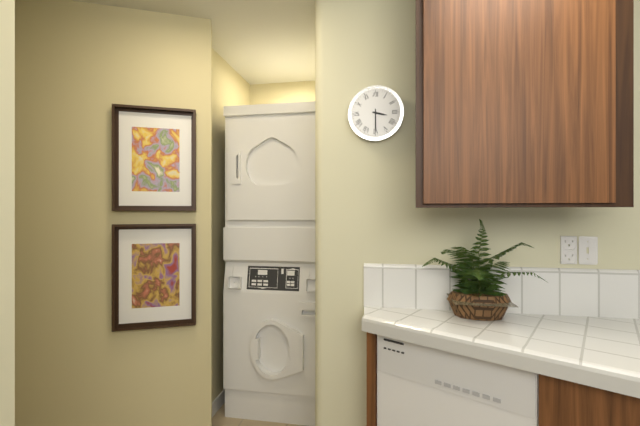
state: 3:30
